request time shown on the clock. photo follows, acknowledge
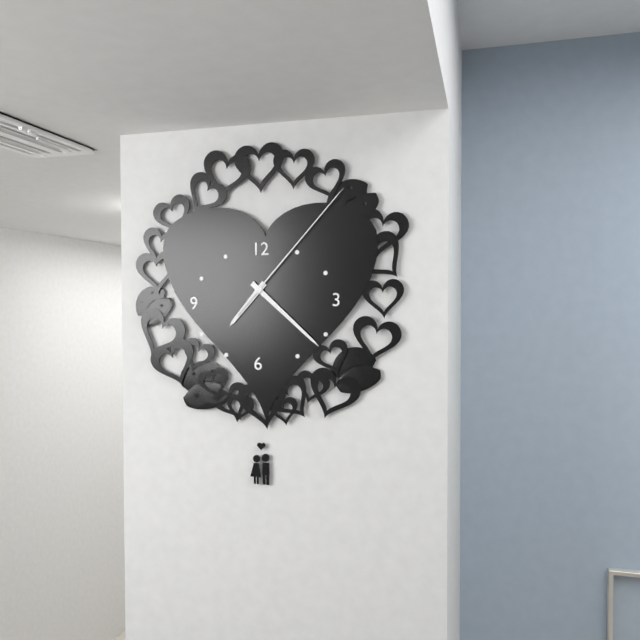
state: 7:22:07
